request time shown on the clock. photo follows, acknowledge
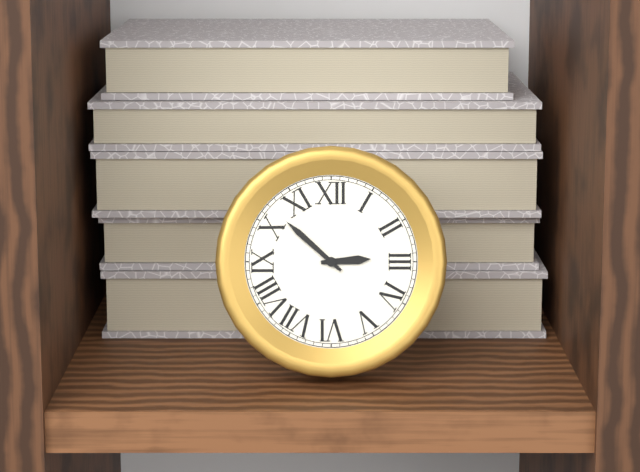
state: 2:52
